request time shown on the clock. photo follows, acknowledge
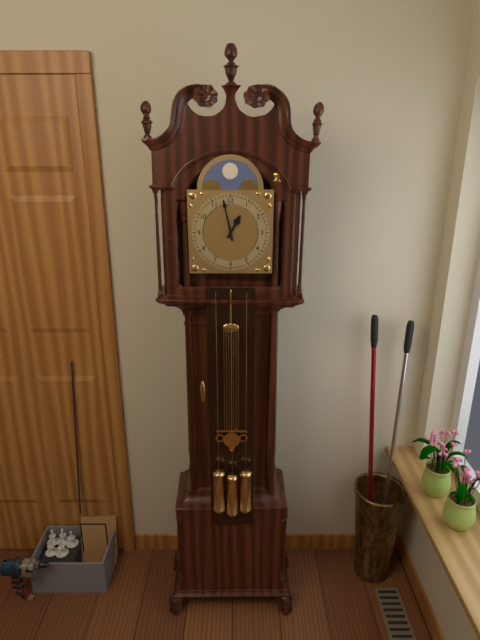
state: 12:58
